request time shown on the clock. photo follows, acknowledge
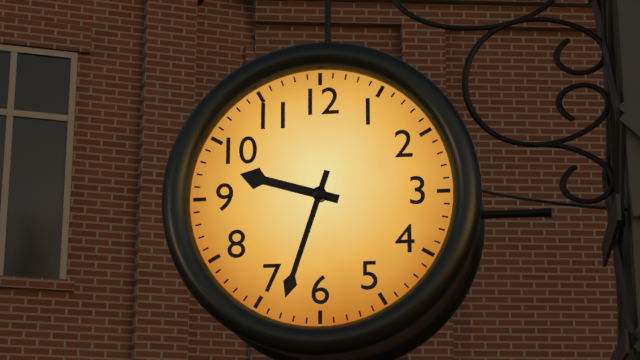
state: 9:33
